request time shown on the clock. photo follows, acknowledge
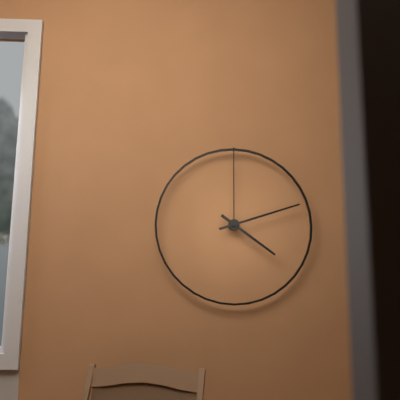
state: 4:12
